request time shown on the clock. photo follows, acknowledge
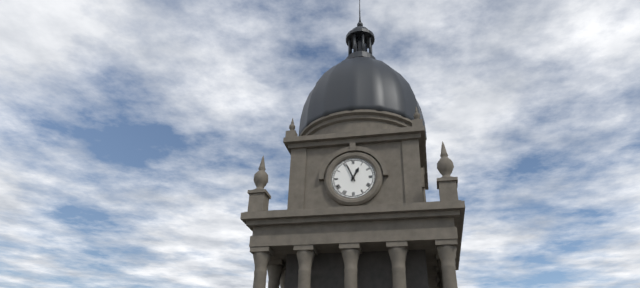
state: 12:56
